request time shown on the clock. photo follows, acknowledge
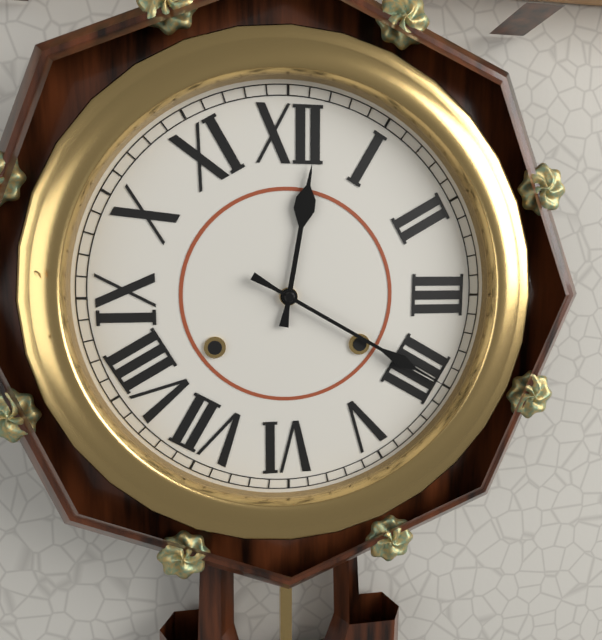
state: 12:20
